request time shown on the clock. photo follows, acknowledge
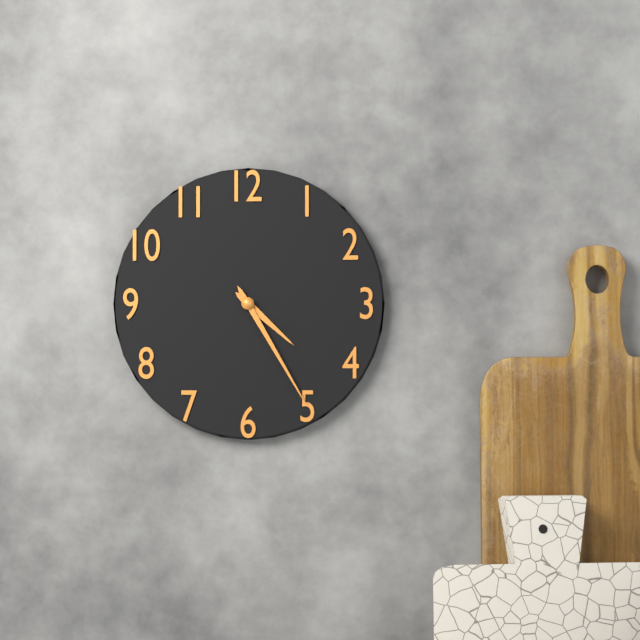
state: 4:25
